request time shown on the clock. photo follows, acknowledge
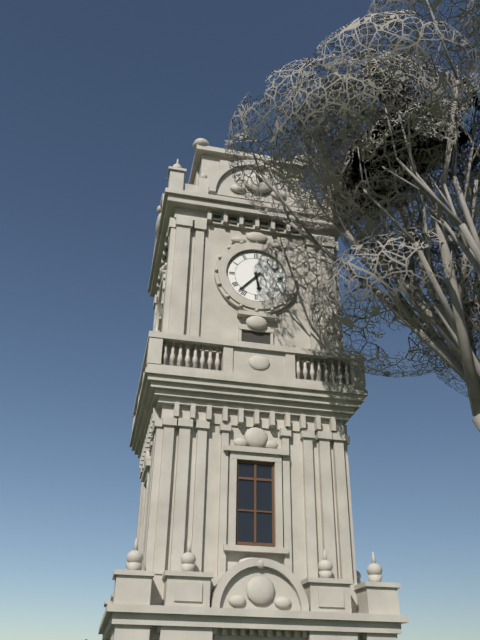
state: 5:37
